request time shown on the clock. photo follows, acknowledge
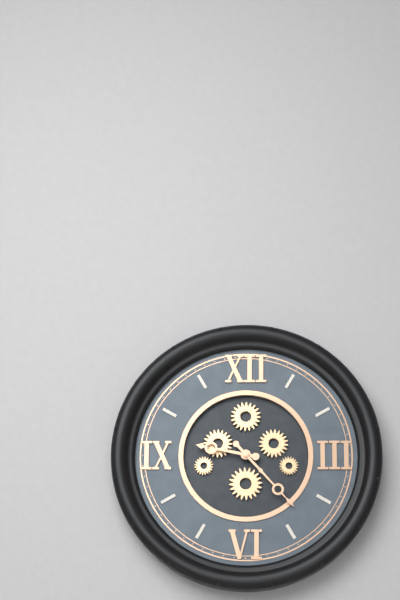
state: 9:23
